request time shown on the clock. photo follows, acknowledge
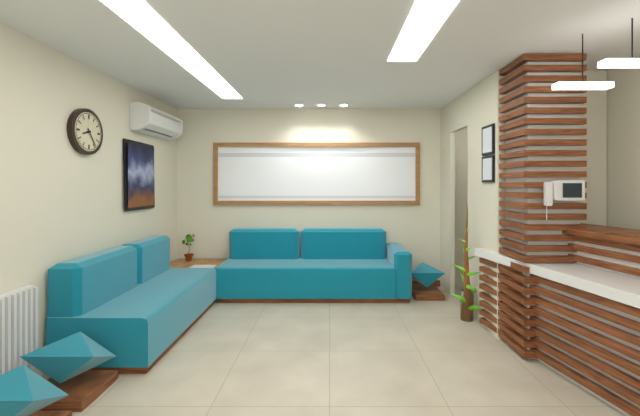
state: 8:24
